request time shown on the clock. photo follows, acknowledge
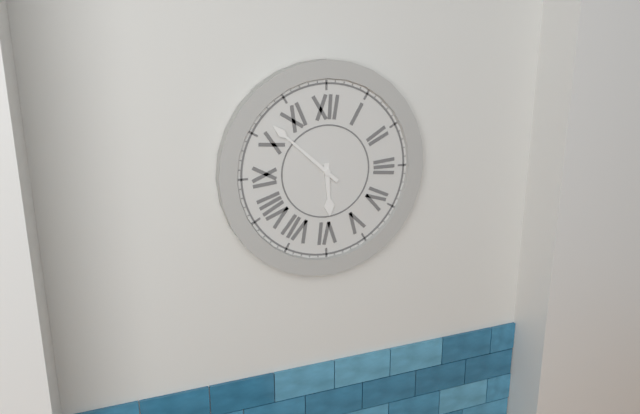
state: 5:52
